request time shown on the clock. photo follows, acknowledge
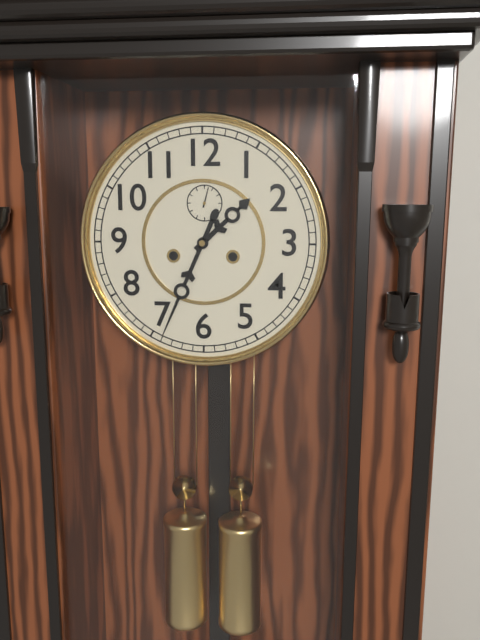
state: 1:34
